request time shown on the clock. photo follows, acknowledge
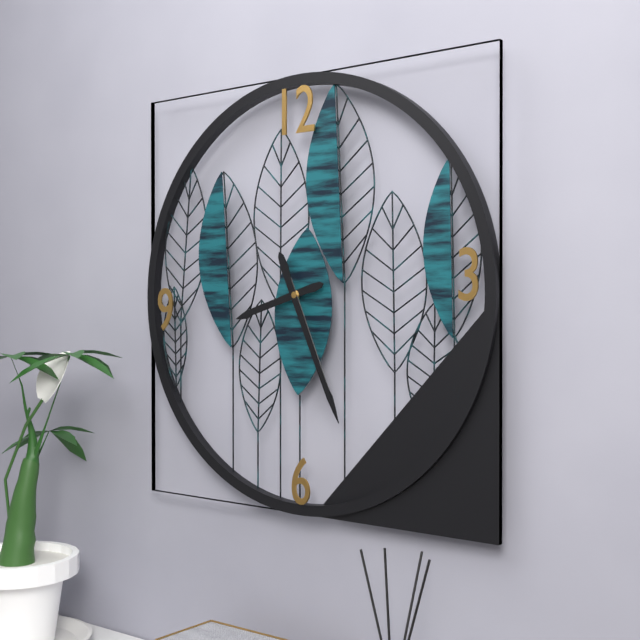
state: 8:26
